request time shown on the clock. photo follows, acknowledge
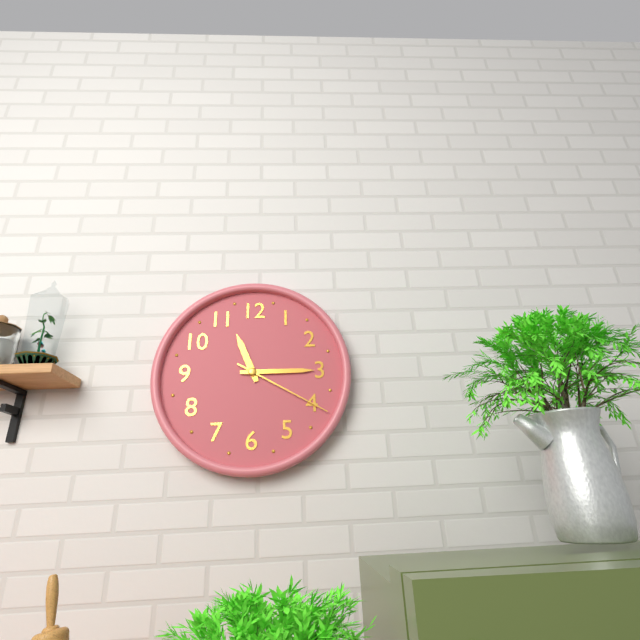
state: 11:15:20
